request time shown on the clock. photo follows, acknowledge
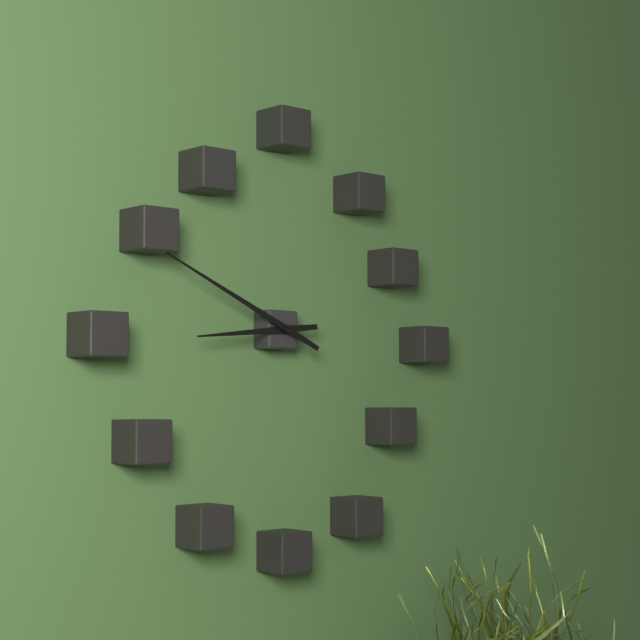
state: 8:49
